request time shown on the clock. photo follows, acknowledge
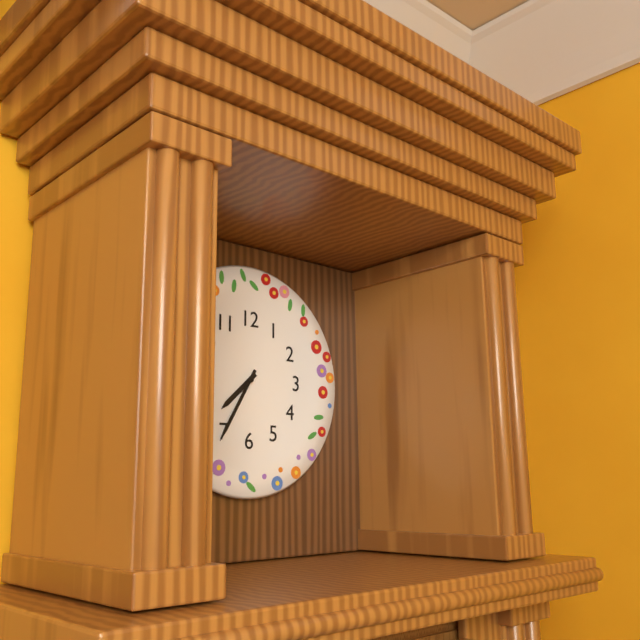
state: 7:35
